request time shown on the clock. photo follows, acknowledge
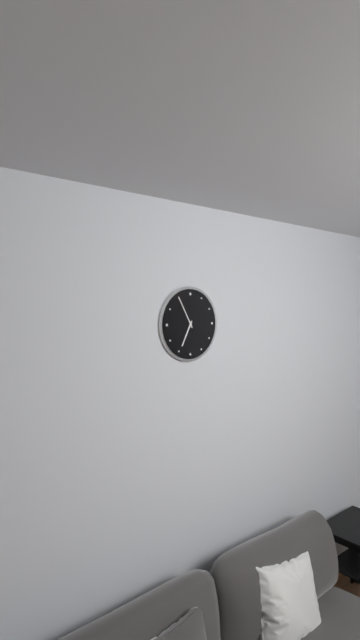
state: 6:55
